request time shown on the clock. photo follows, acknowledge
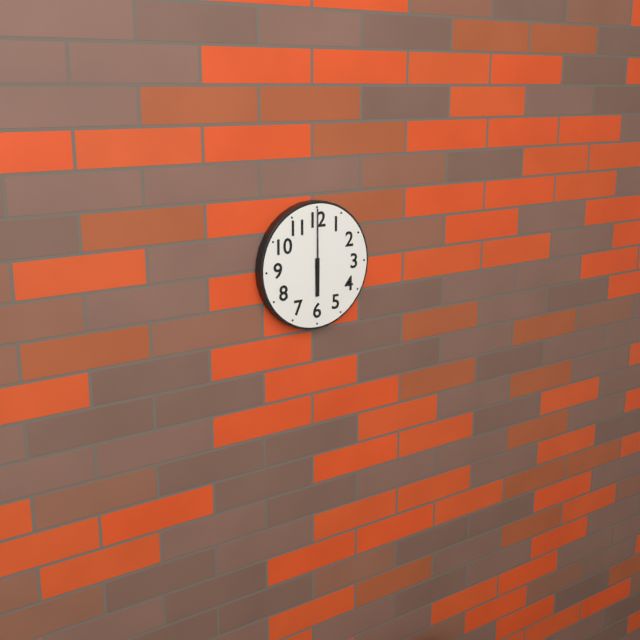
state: 6:00
